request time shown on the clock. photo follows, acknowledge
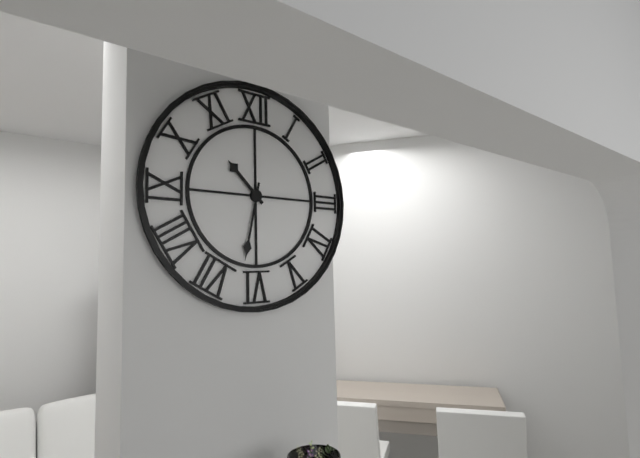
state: 10:32
